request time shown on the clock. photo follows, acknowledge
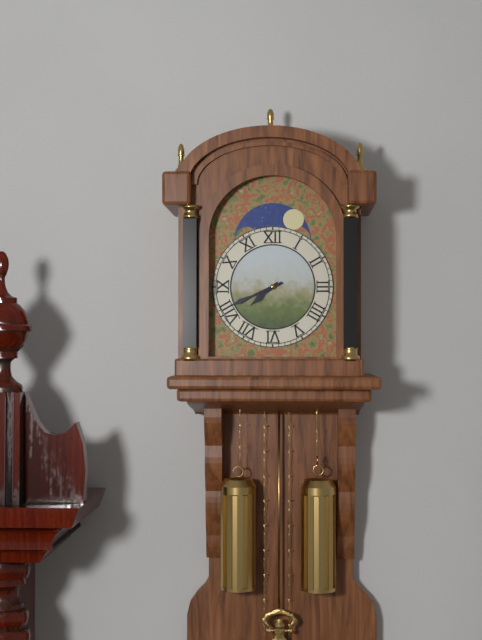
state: 7:41
